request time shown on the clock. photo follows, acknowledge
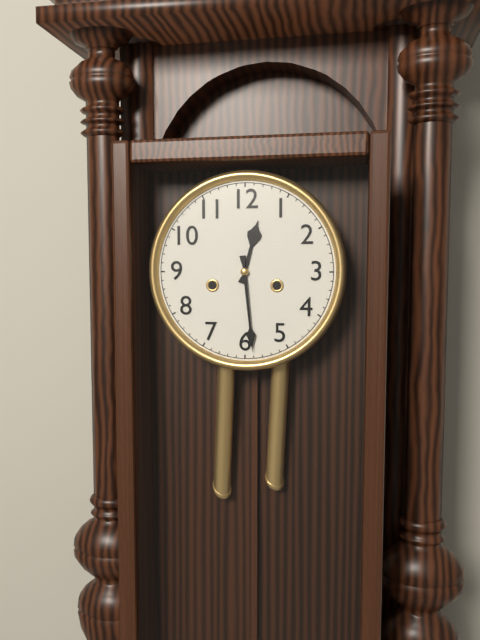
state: 12:29
